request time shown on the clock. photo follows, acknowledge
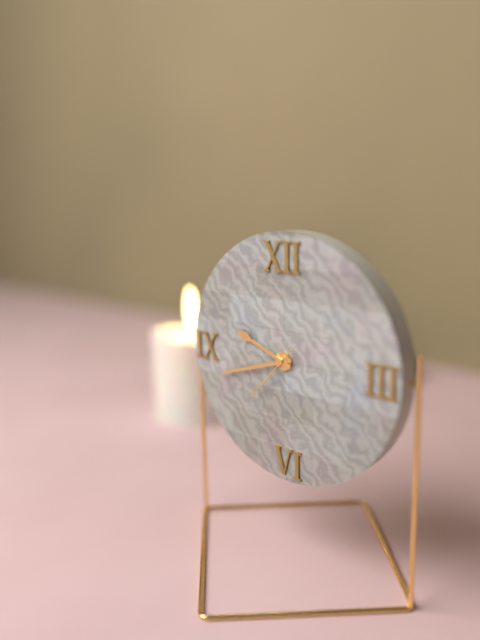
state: 9:42:37
